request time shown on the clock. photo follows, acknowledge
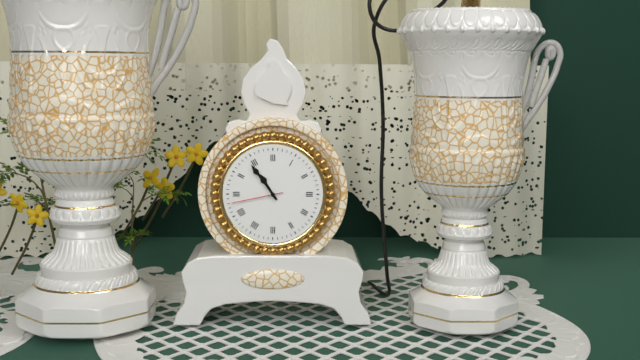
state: 10:54:43
